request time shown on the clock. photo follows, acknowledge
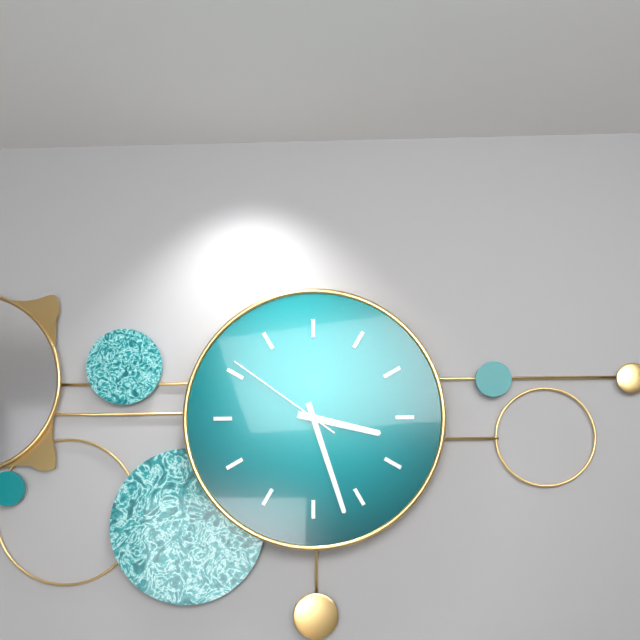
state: 3:27:51
